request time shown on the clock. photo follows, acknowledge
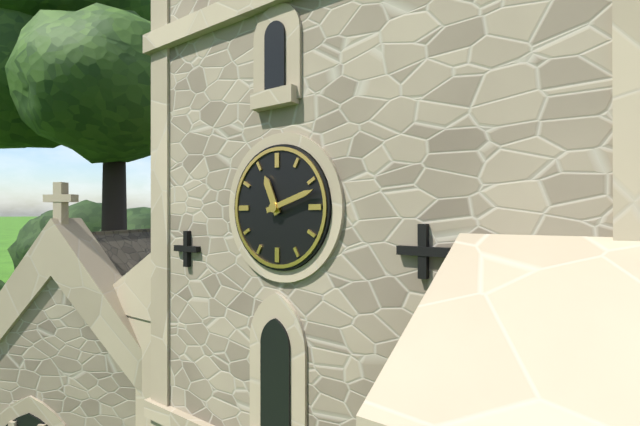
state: 11:12
